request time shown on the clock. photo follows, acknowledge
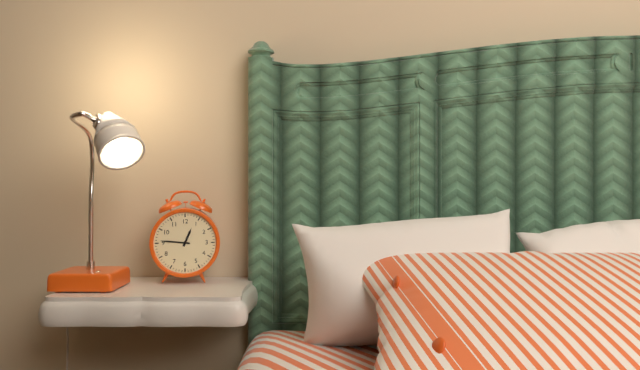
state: 12:46
